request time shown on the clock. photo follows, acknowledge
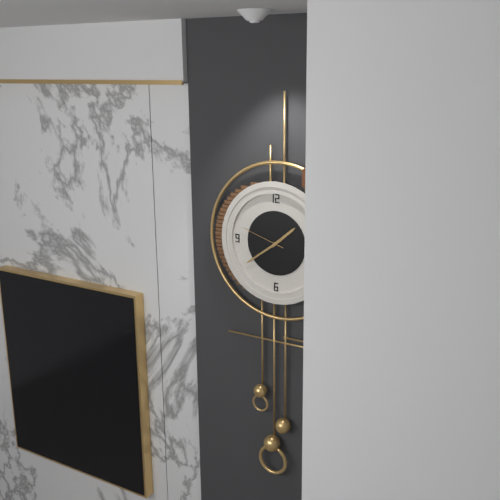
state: 1:39
